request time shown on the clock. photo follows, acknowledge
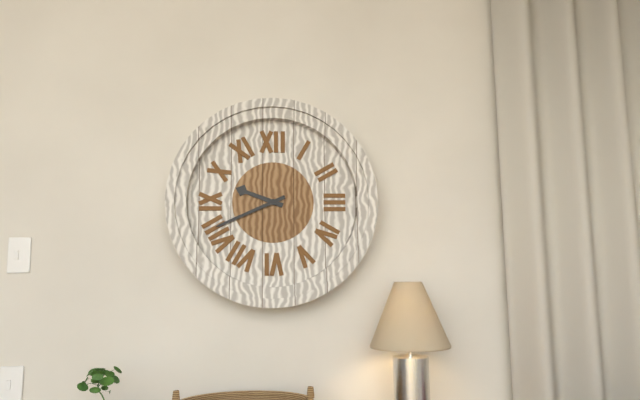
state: 9:41
